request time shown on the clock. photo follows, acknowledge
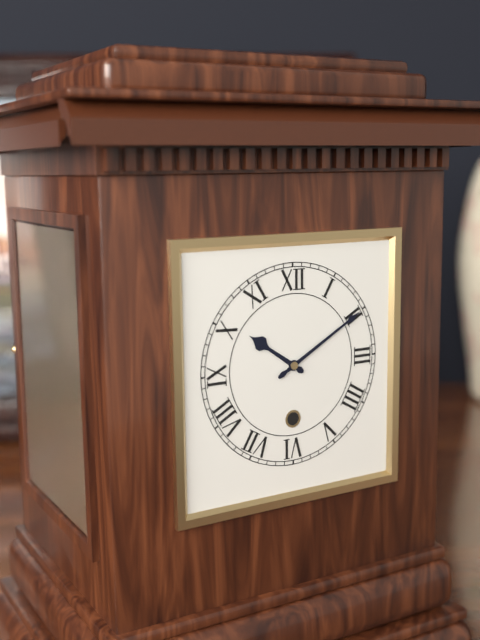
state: 10:10
